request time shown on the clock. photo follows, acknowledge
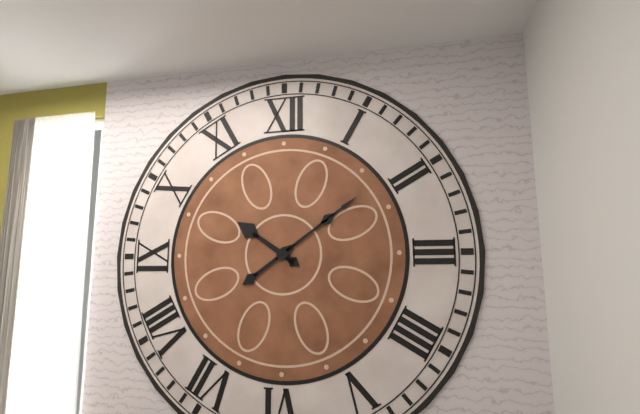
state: 10:09
